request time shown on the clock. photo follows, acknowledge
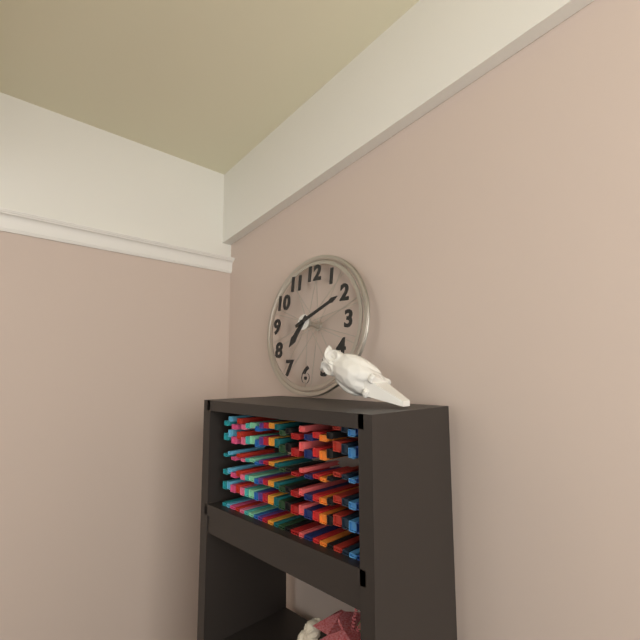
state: 7:11
